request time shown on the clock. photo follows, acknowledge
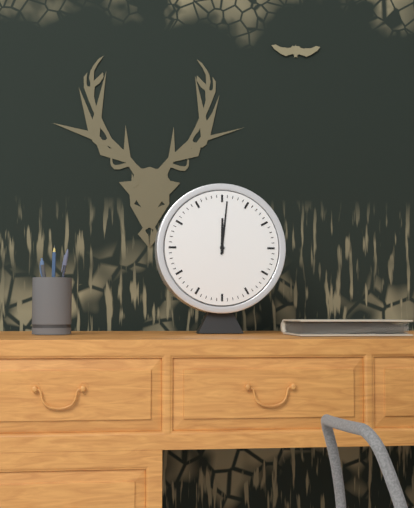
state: 12:01
